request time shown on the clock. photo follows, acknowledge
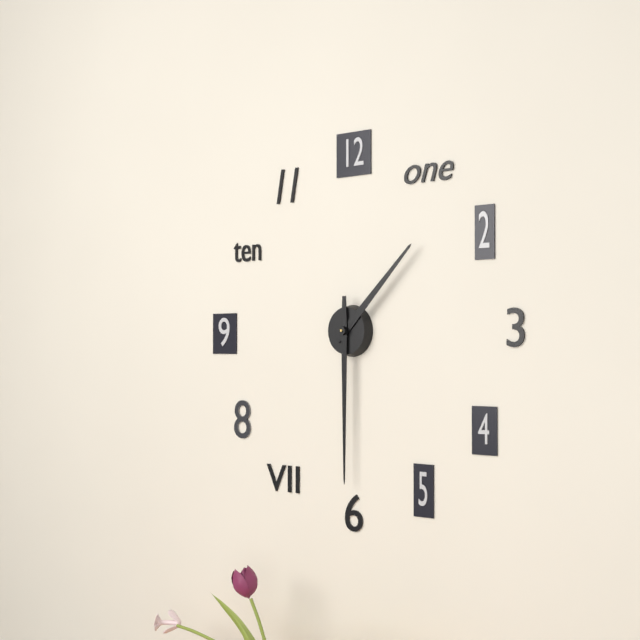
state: 1:30
